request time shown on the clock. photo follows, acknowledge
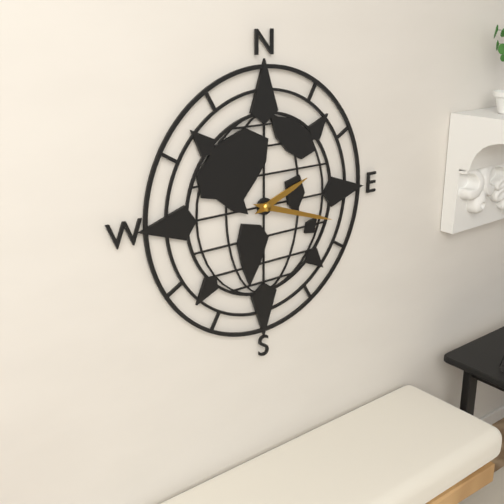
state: 2:18
